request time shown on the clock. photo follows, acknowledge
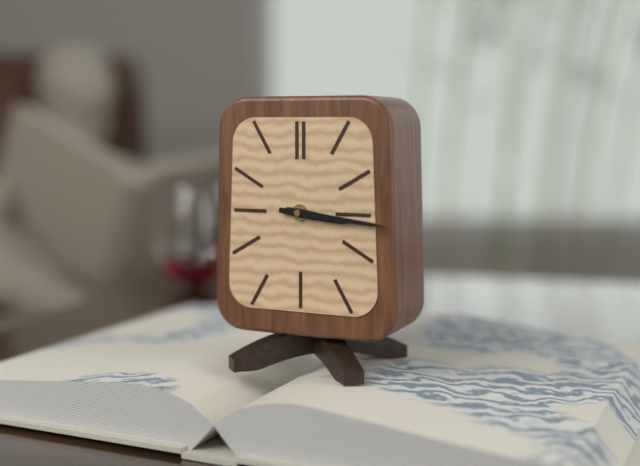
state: 3:16
